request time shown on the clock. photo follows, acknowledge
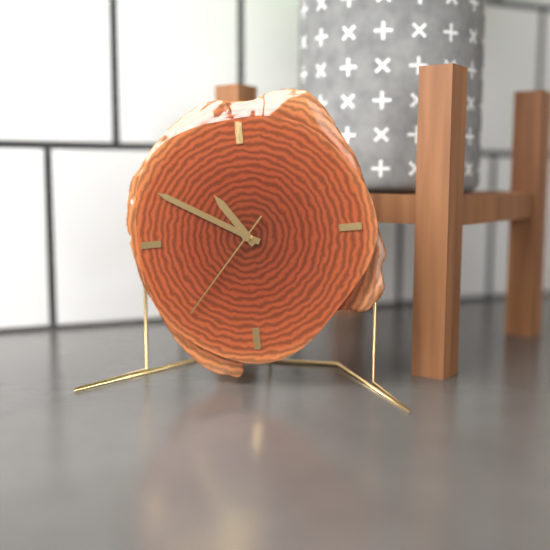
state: 10:50:37
